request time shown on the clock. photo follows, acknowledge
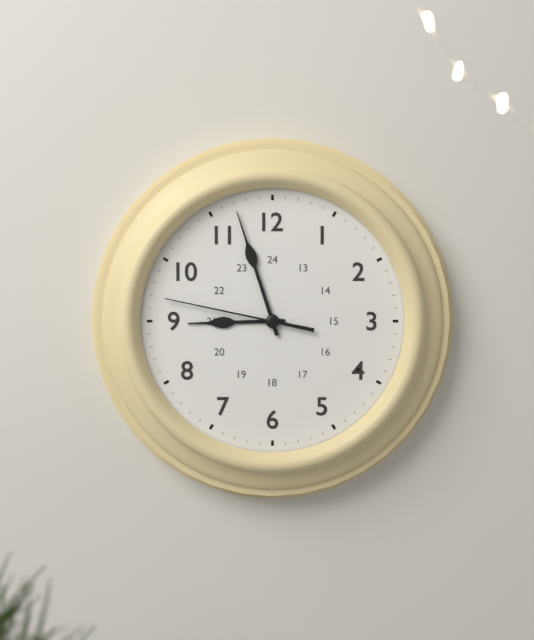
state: 8:57:47
